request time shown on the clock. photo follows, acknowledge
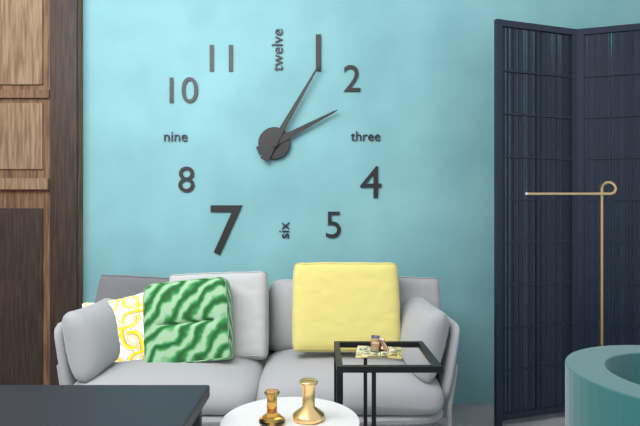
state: 2:05
